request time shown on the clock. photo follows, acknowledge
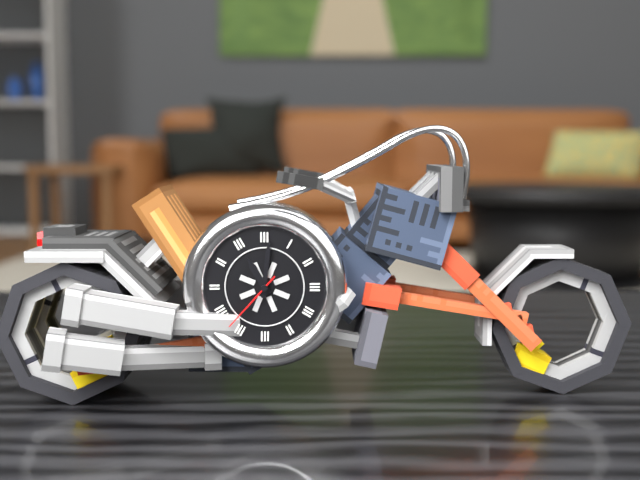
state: 11:01:37
